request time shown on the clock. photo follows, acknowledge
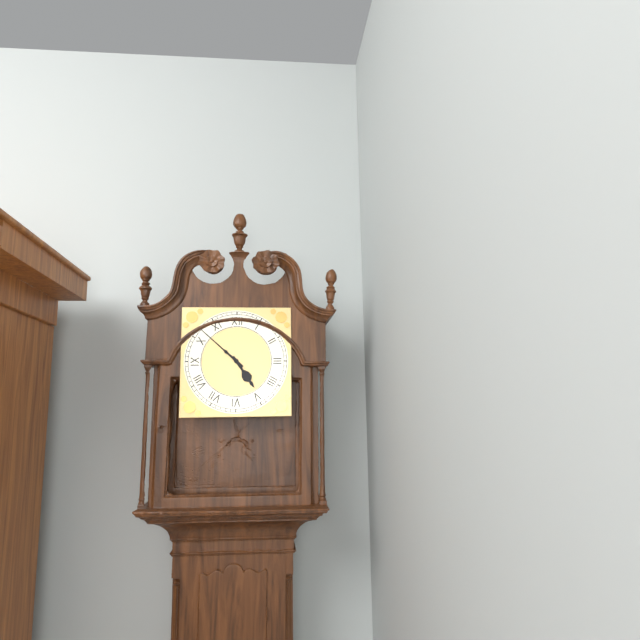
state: 4:52
